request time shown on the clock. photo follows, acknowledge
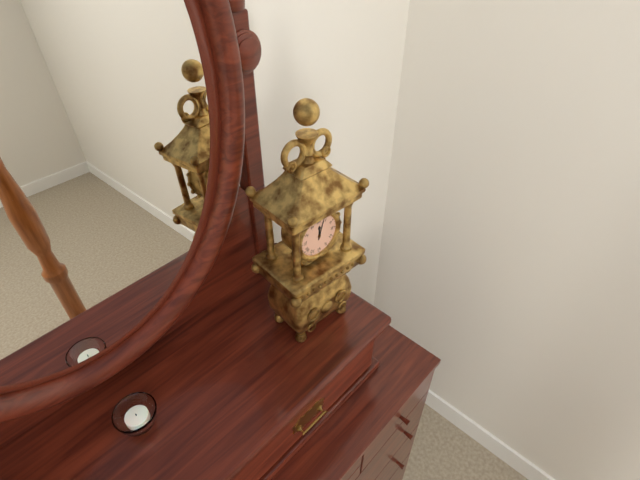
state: 12:03
